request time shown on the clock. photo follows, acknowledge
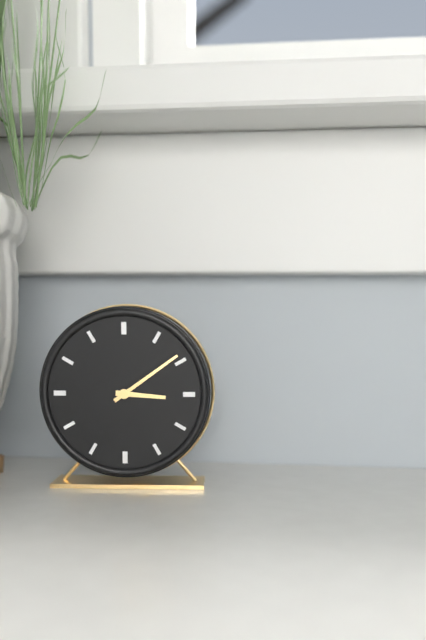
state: 3:09
